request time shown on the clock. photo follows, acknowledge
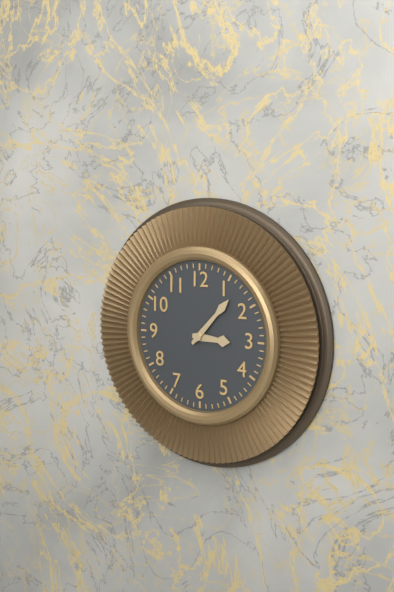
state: 3:07
